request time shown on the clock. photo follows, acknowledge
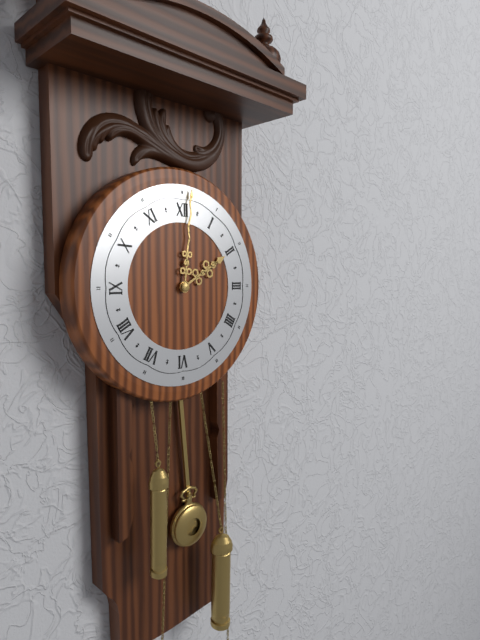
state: 2:01
